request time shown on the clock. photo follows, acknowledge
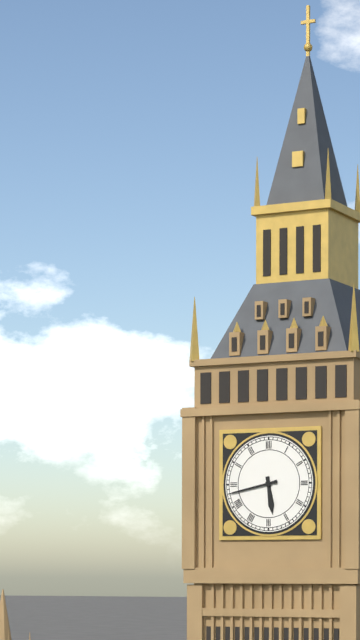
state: 5:43
